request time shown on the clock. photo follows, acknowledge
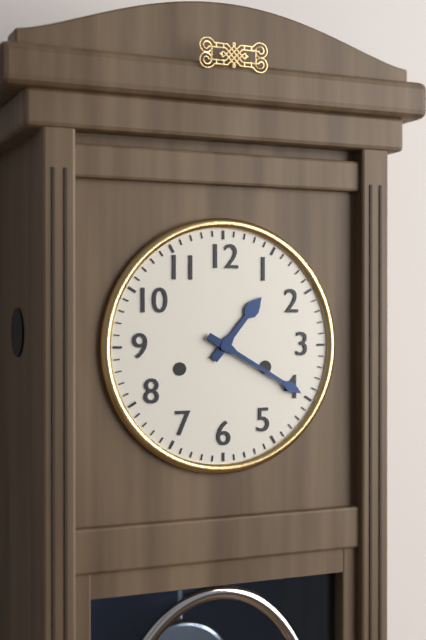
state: 1:20
